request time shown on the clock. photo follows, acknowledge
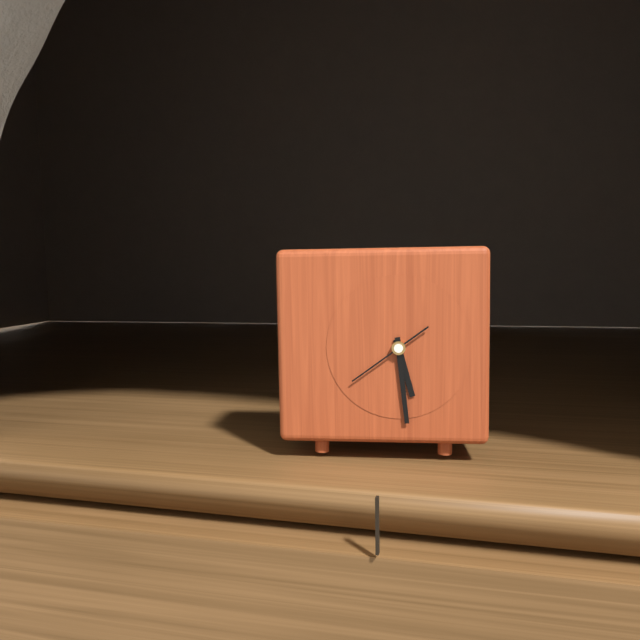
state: 5:29:39
